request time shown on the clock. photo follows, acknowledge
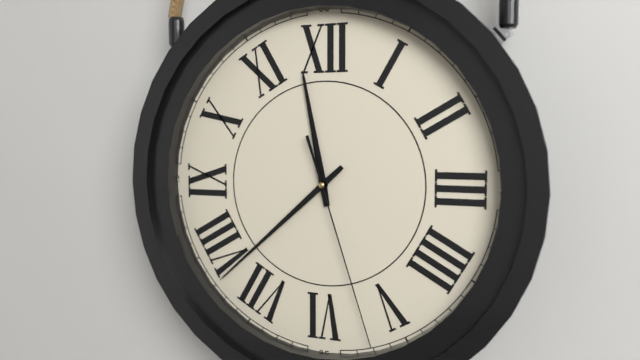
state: 11:38:27
